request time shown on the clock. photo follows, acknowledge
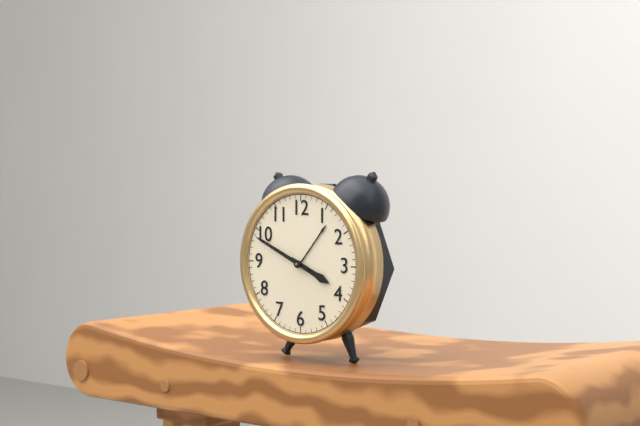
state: 3:49
